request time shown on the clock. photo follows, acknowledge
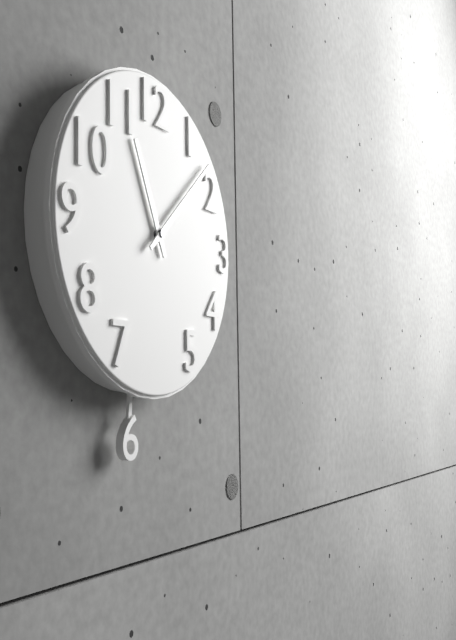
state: 11:08
